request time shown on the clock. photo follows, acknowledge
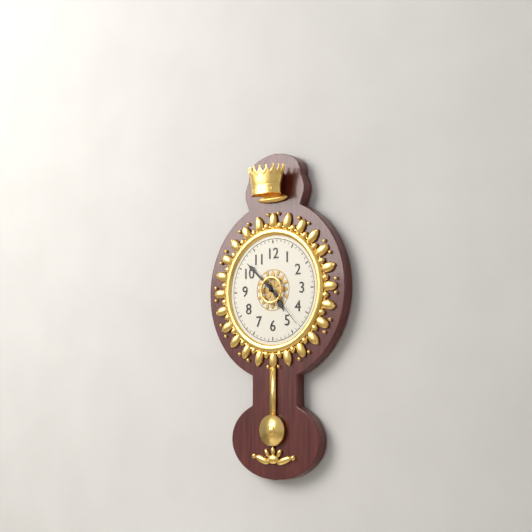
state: 4:52:23
